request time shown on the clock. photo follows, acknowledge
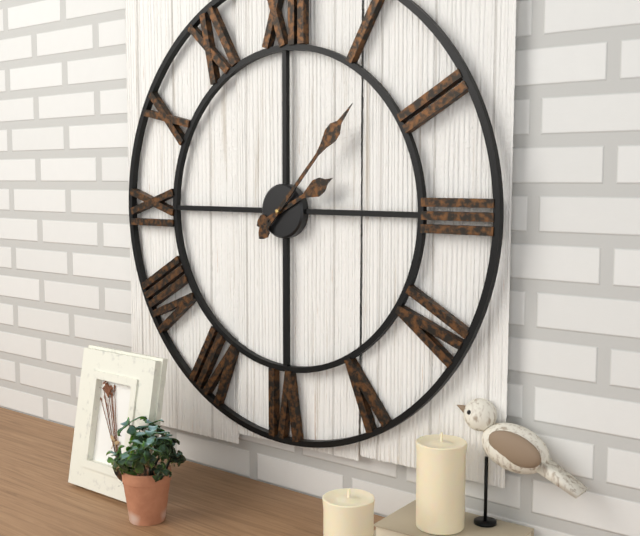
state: 2:07
